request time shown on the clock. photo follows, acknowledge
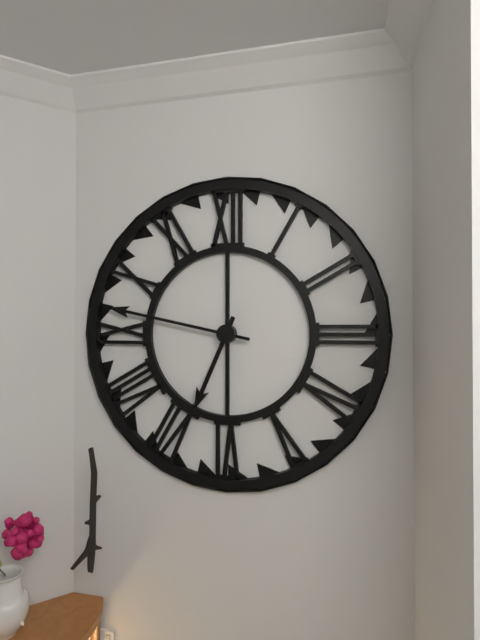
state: 6:47
